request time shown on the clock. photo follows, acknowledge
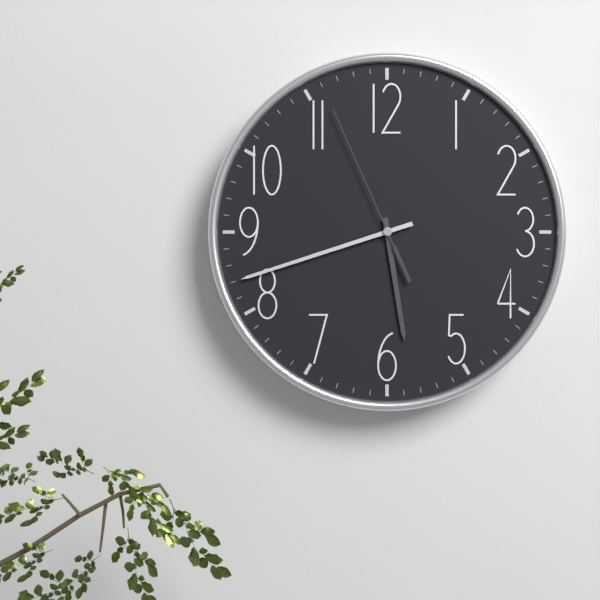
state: 5:42:56
